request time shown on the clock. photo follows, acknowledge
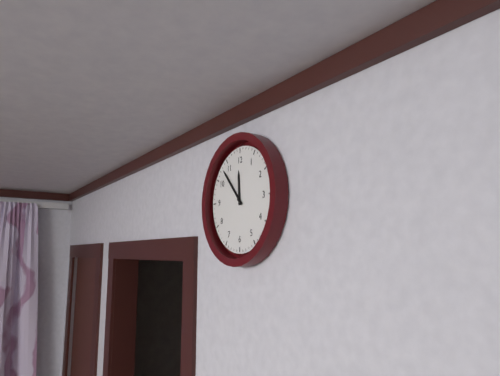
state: 11:53
